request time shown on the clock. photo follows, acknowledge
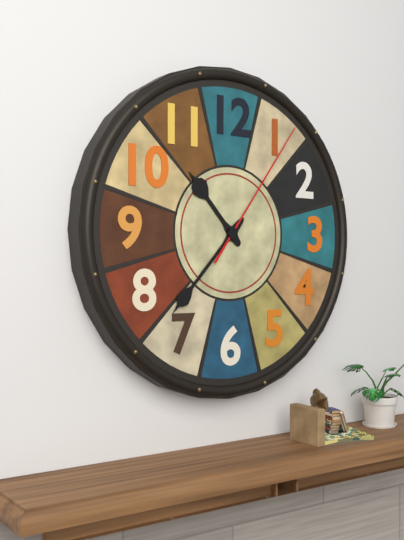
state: 10:37:06
